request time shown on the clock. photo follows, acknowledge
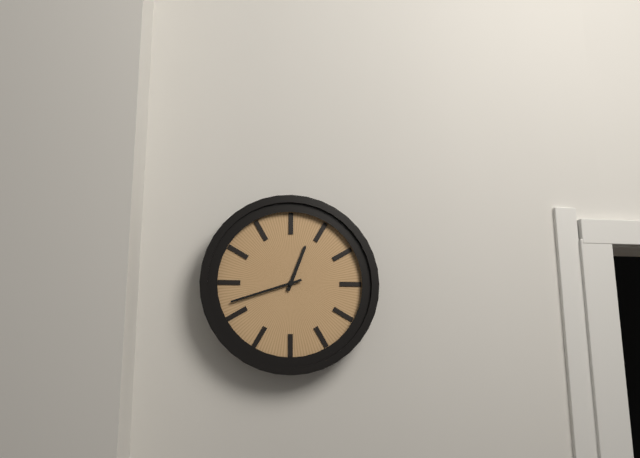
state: 12:42
